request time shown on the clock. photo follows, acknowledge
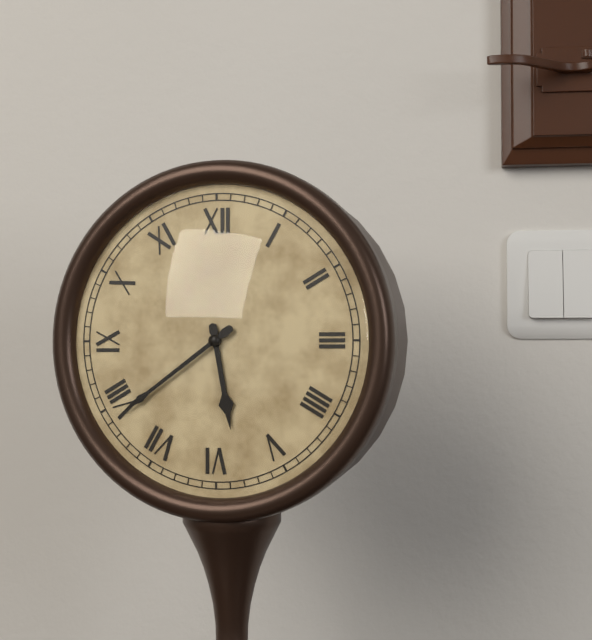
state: 5:39
